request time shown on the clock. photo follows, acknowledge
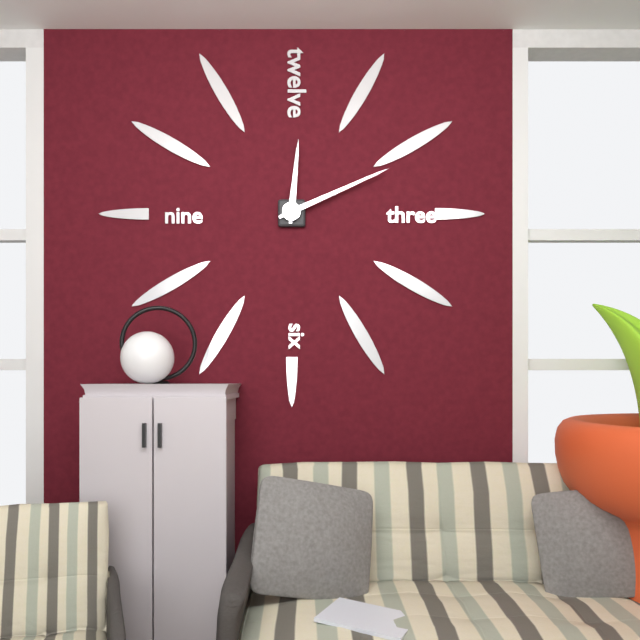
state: 12:11
